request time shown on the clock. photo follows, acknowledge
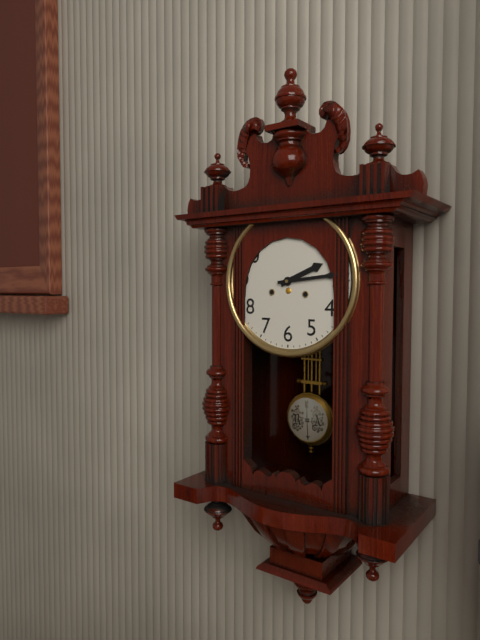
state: 2:14
